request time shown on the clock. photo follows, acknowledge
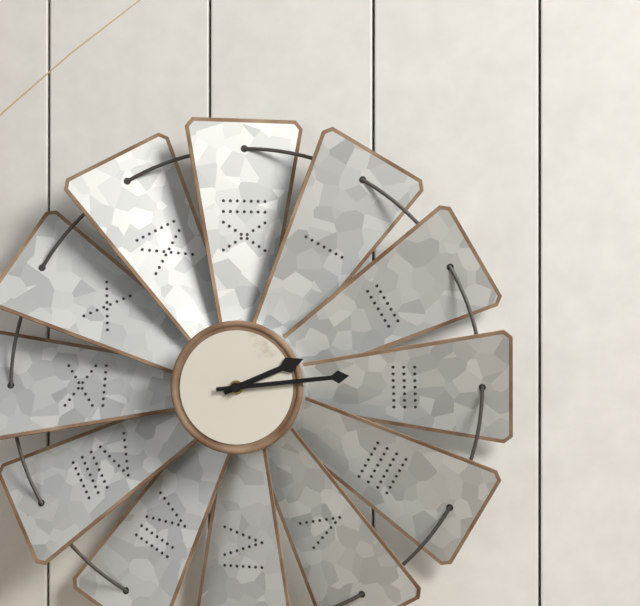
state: 2:14
